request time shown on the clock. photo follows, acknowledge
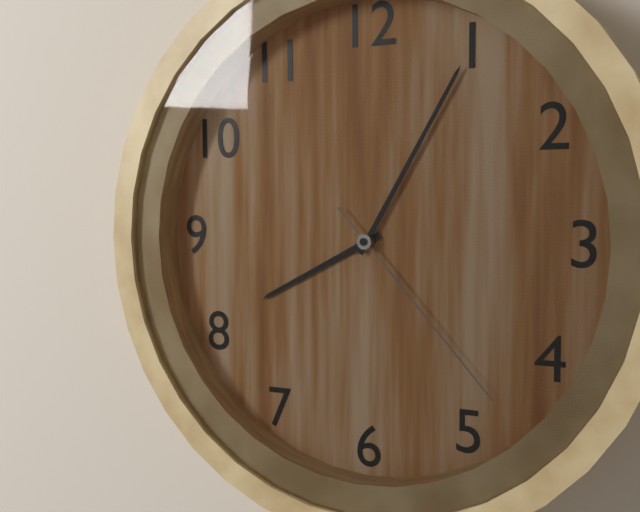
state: 8:05:23
